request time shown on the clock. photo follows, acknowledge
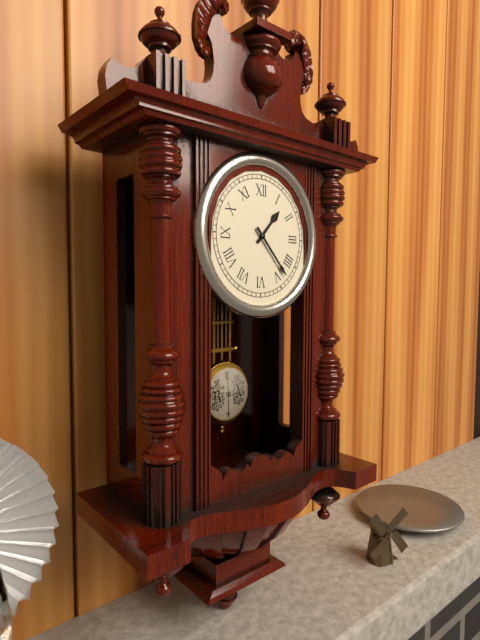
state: 1:23
